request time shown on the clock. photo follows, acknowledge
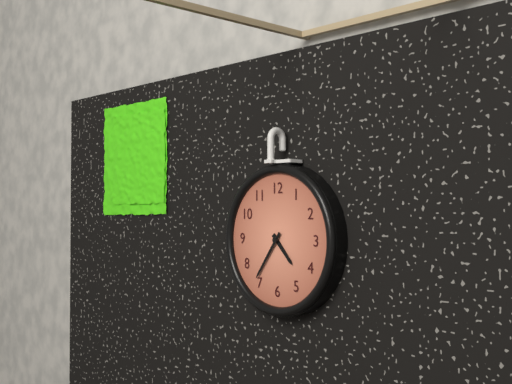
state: 4:36
